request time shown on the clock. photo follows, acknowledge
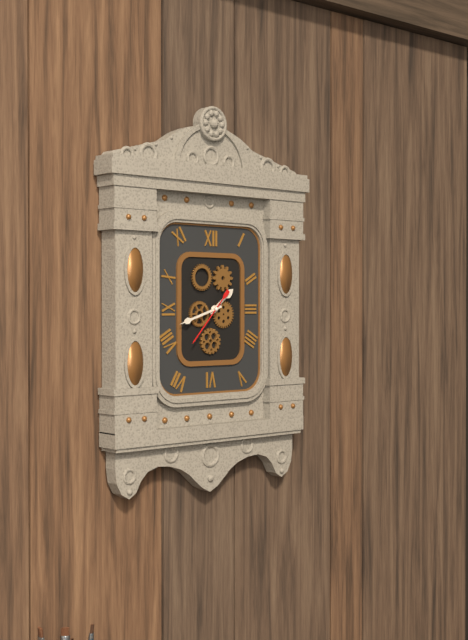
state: 1:42:37
